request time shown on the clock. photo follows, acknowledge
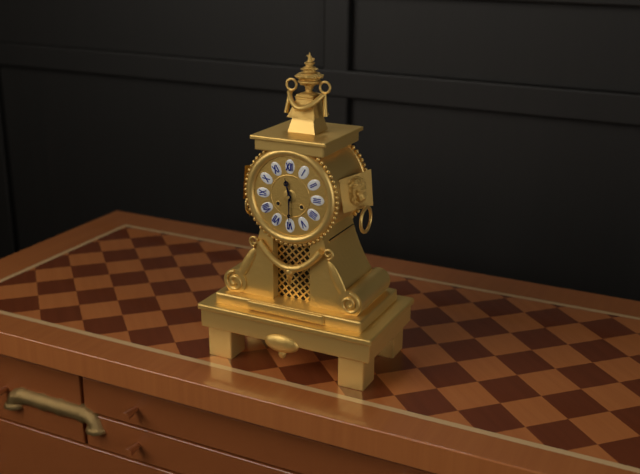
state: 11:30
